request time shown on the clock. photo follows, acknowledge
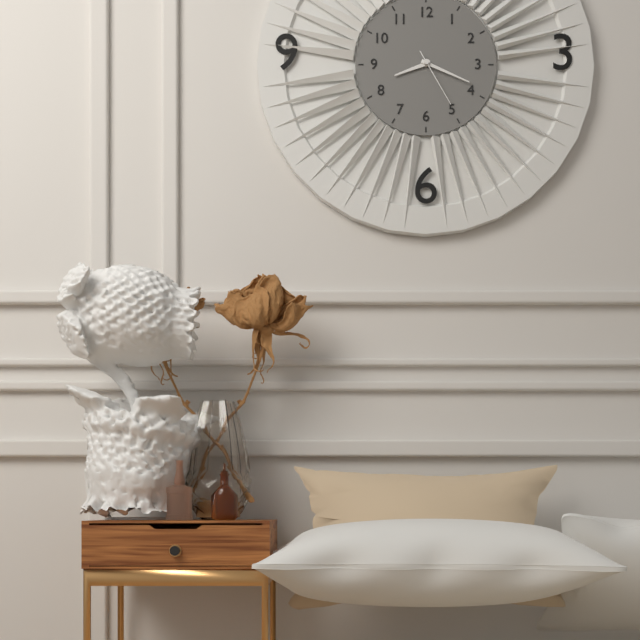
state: 8:19:25
